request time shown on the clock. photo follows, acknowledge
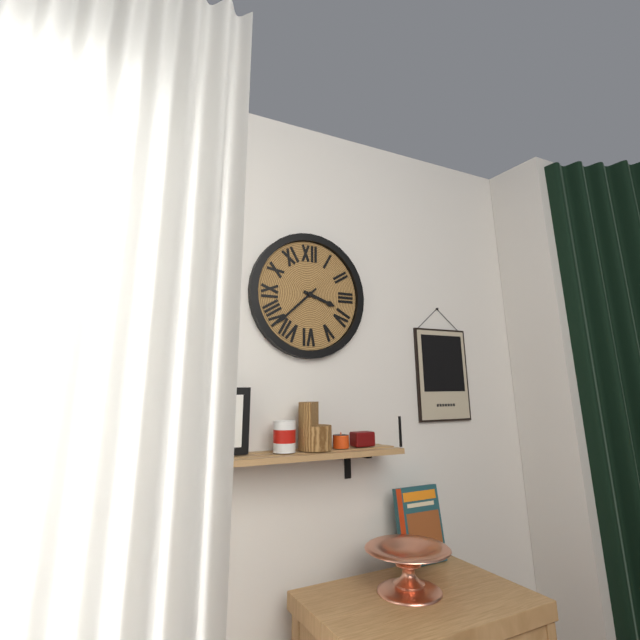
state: 3:38
